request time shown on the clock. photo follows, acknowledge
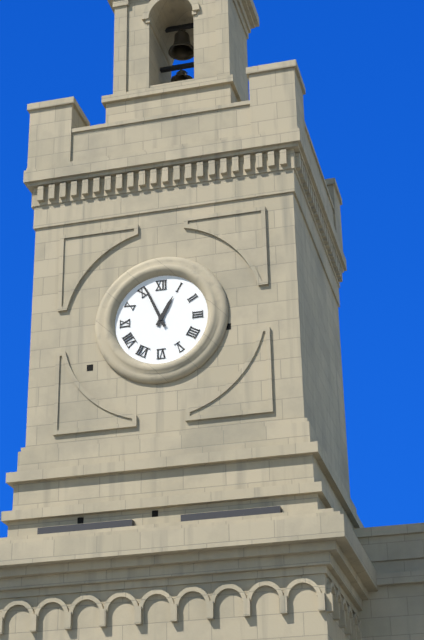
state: 12:56
